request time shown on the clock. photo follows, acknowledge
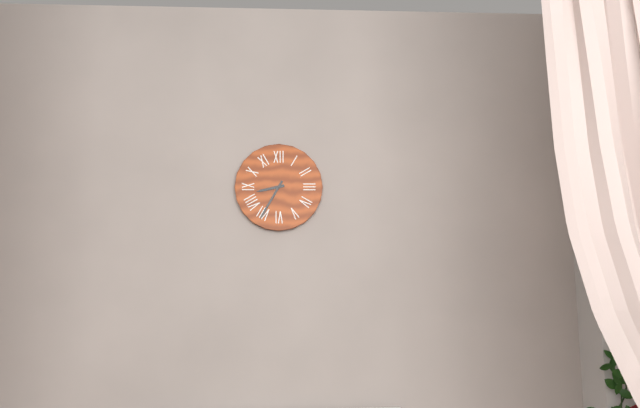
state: 8:35
